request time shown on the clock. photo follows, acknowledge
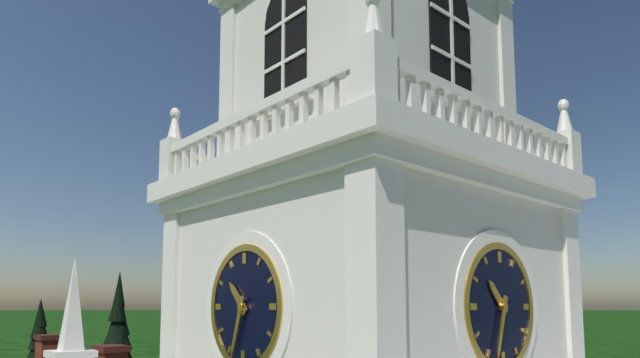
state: 10:33
